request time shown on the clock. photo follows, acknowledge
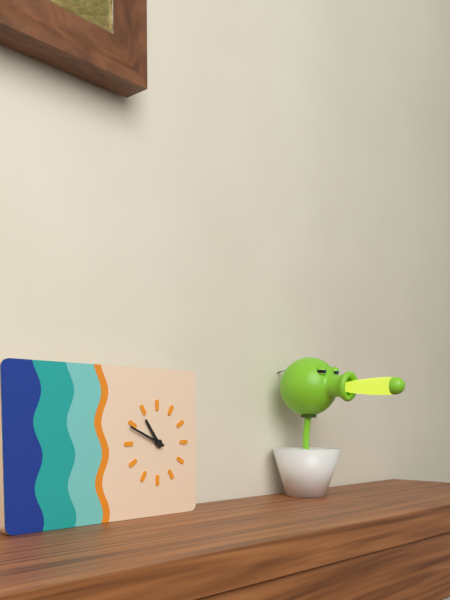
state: 10:49
